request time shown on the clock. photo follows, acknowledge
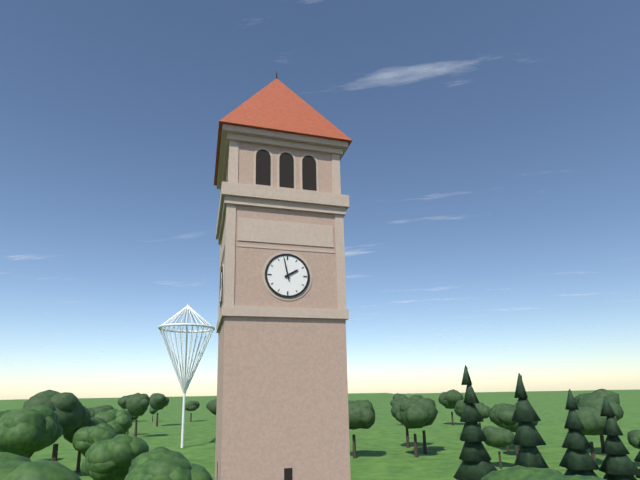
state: 1:58
